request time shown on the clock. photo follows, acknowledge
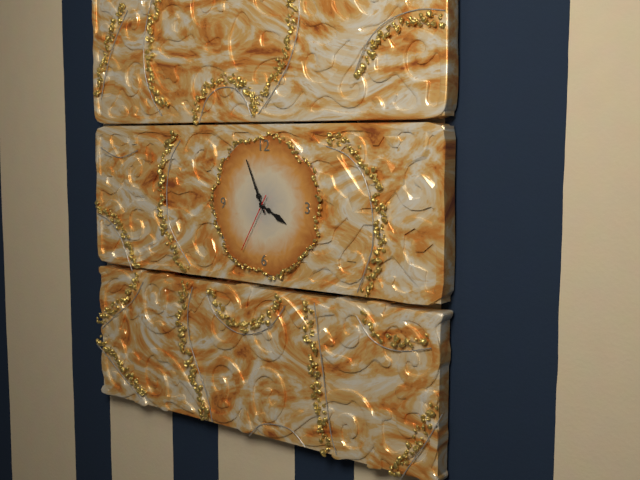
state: 3:56:35
